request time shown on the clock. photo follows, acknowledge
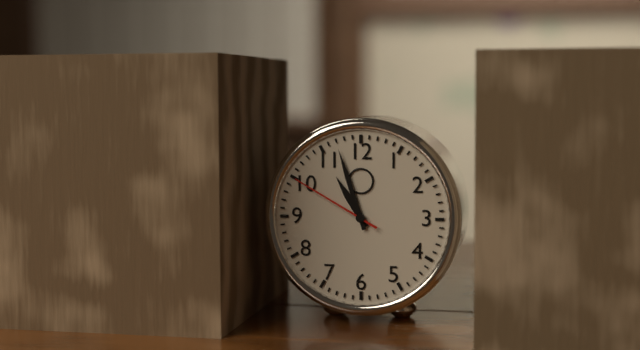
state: 10:57:50
